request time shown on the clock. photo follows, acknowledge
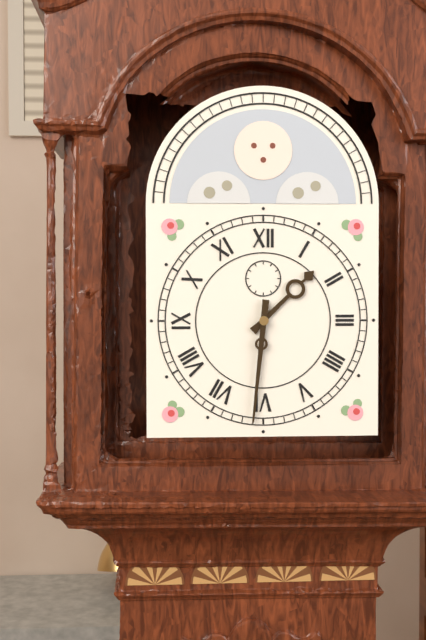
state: 1:31
